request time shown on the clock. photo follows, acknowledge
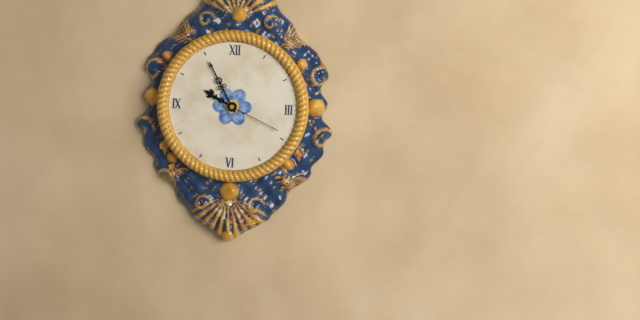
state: 9:55:19
